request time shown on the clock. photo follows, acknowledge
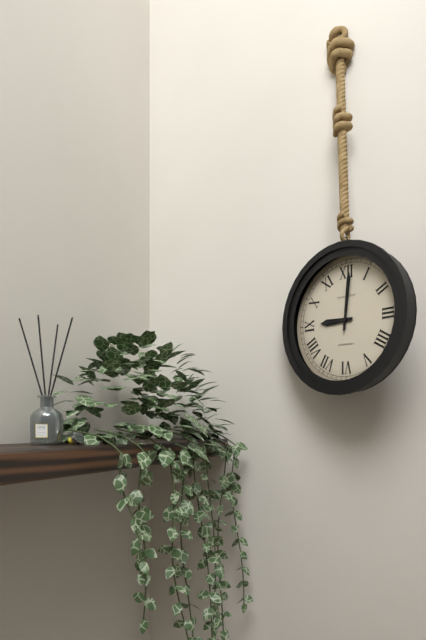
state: 9:01
